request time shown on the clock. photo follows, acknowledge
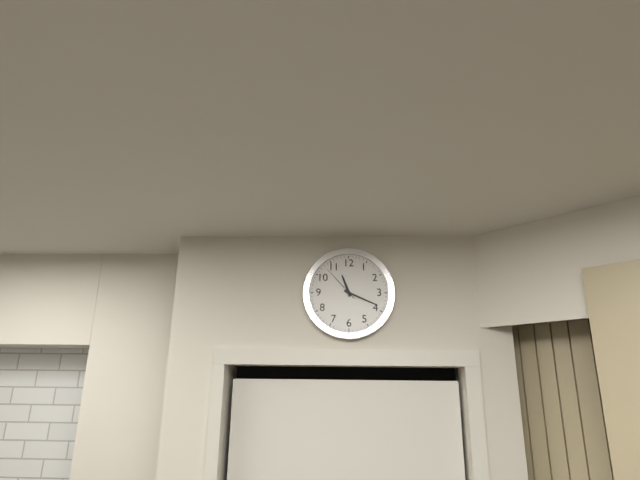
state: 11:19
